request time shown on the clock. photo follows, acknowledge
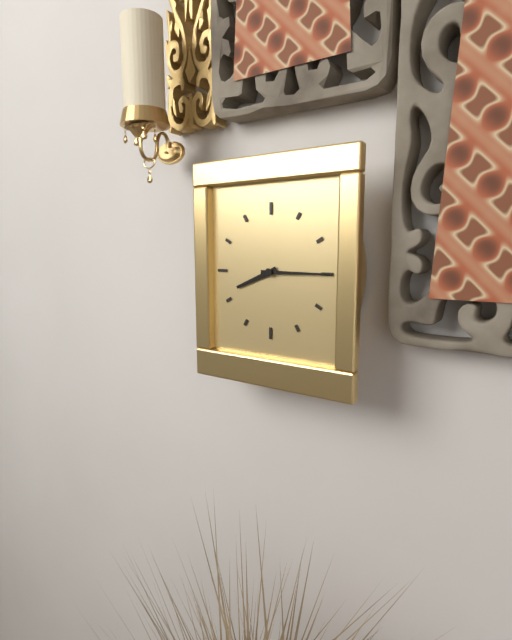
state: 8:15
